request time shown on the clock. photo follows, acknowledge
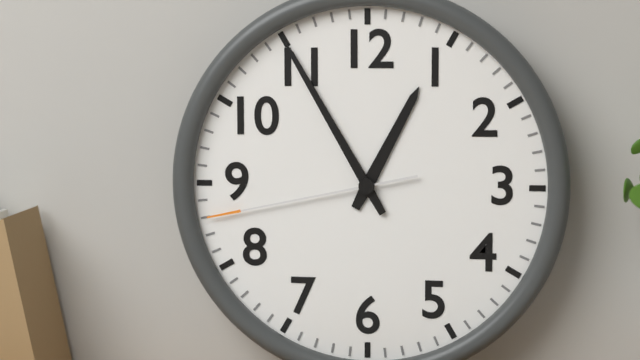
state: 12:55:43
